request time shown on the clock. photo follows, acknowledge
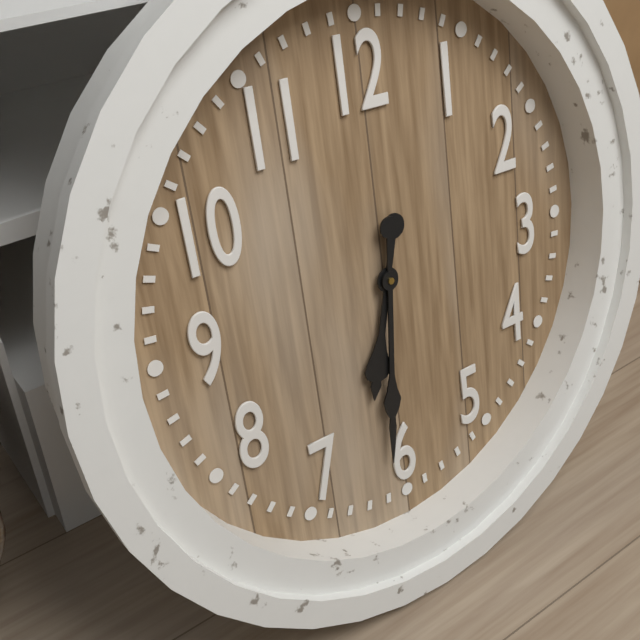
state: 6:31
